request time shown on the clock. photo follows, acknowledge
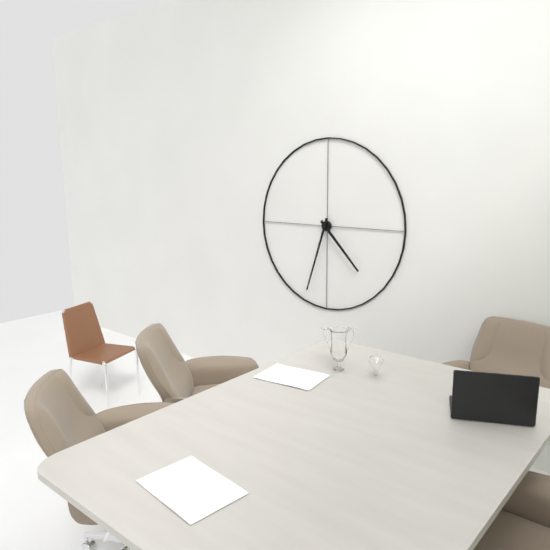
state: 4:33
